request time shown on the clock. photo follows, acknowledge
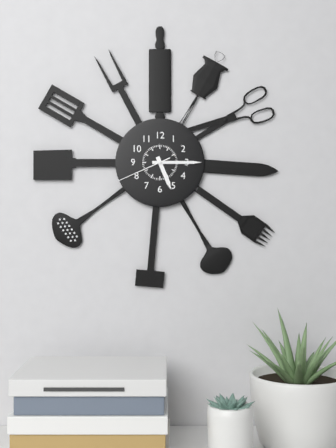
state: 5:15:41
